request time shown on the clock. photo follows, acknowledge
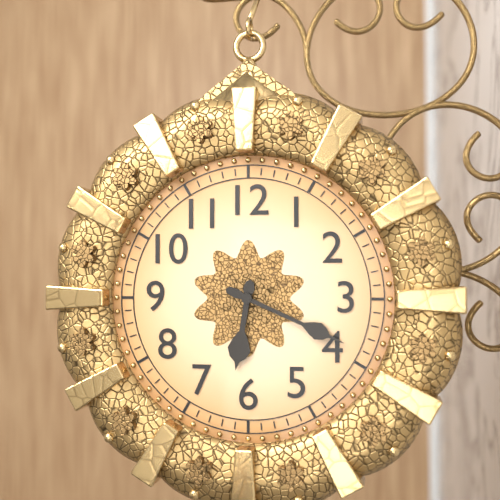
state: 6:19
